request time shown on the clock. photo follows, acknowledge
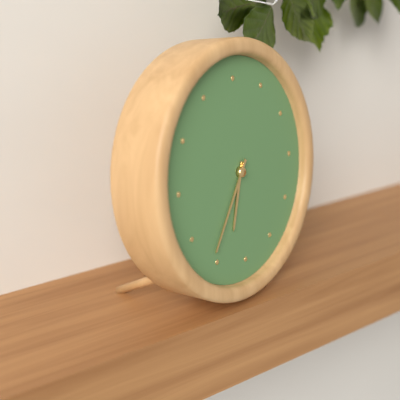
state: 6:36
